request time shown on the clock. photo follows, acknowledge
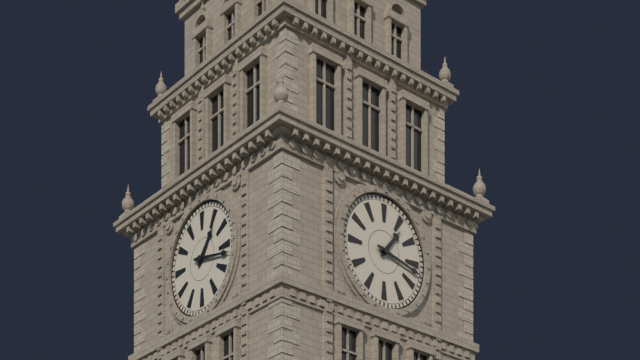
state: 1:17
